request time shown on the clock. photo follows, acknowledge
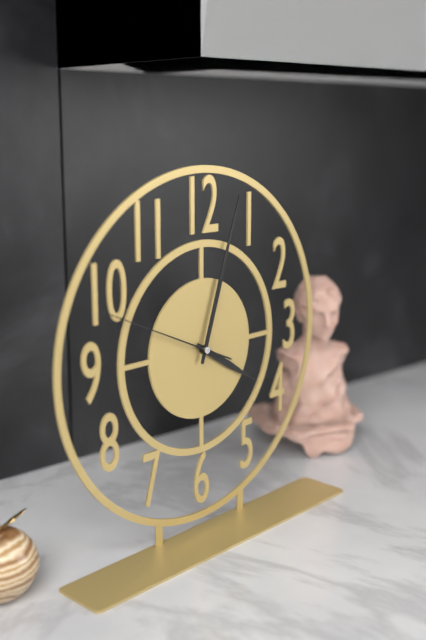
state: 4:03:49
